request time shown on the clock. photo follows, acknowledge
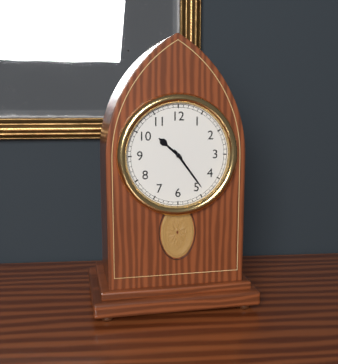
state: 10:24
